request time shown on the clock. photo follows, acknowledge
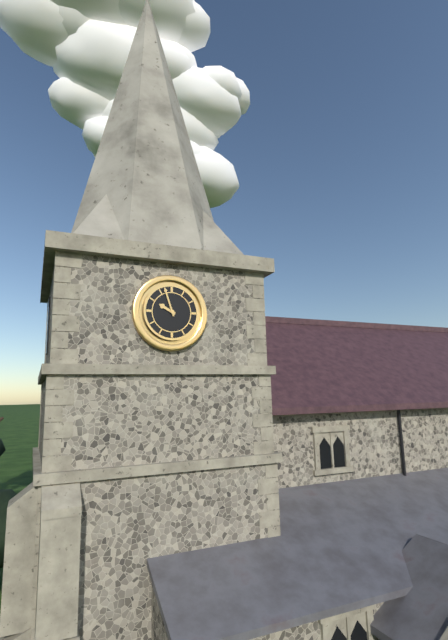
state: 9:57
